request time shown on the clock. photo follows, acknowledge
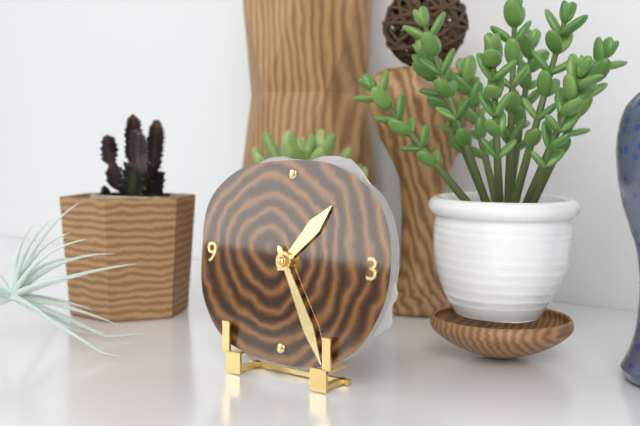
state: 1:25
